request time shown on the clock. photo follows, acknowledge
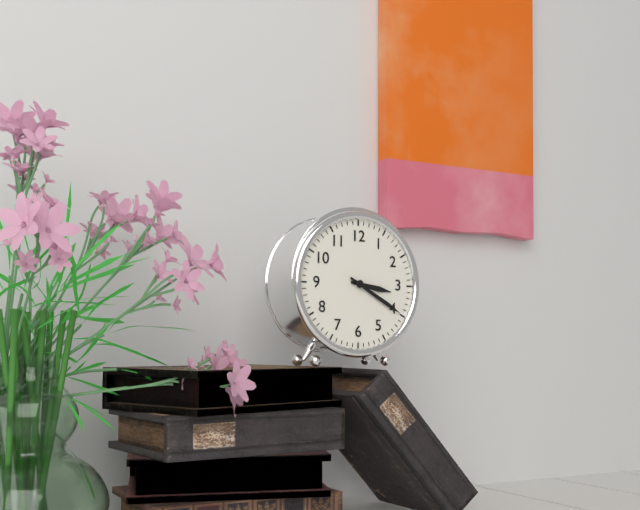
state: 3:20
